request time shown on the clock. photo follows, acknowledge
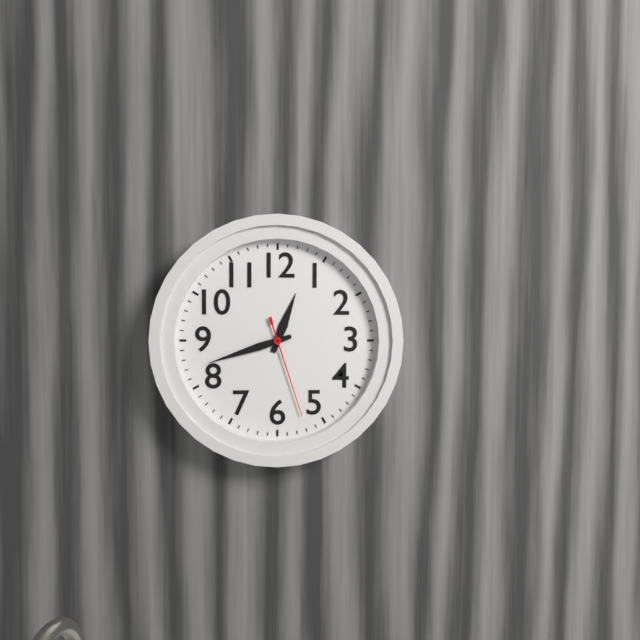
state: 12:42:27
